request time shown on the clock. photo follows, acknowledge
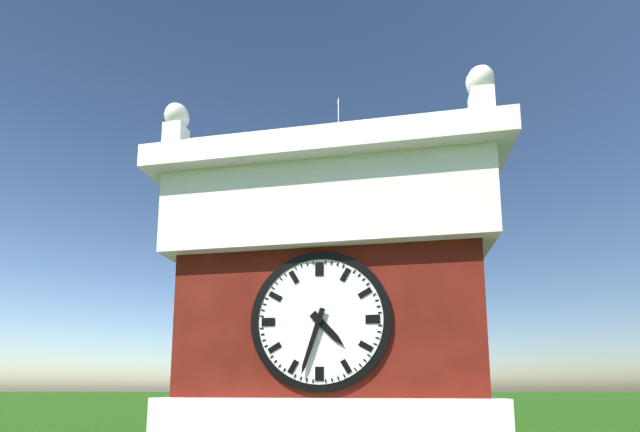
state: 4:33
